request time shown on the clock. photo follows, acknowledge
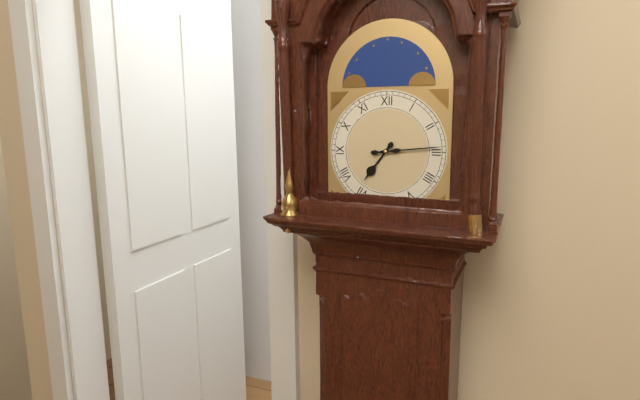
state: 7:14
